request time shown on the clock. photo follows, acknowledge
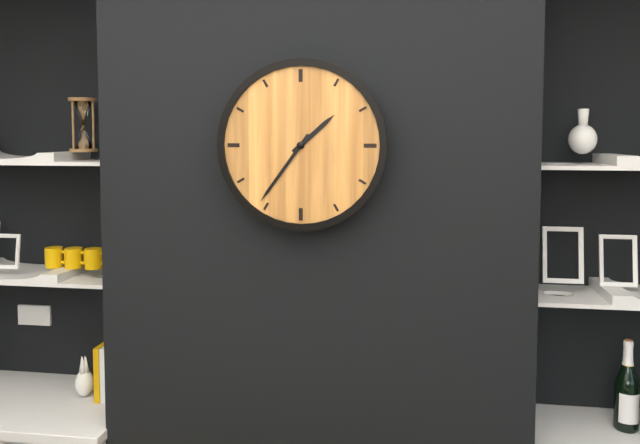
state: 1:36
